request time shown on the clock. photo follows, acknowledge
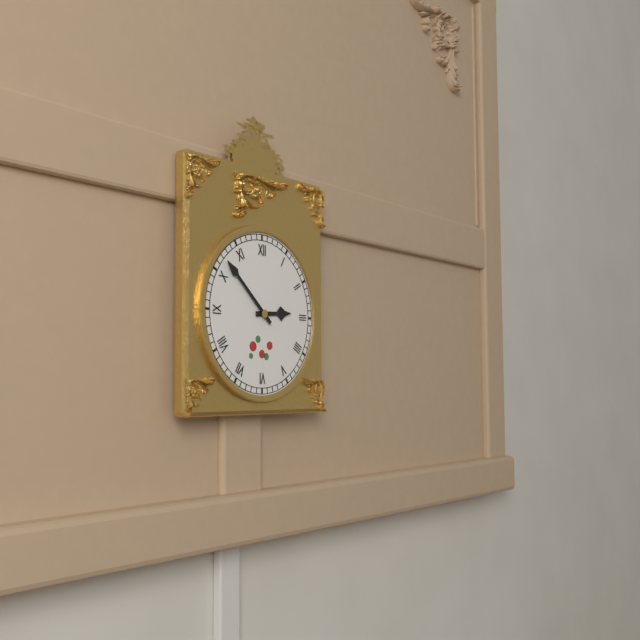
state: 2:52
